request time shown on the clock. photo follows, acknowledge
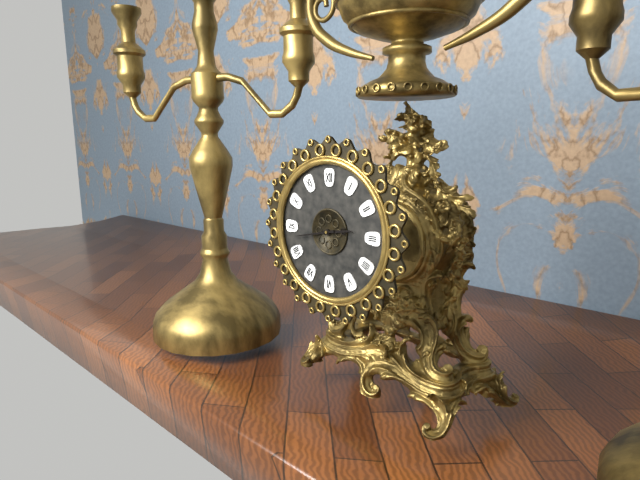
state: 2:43
